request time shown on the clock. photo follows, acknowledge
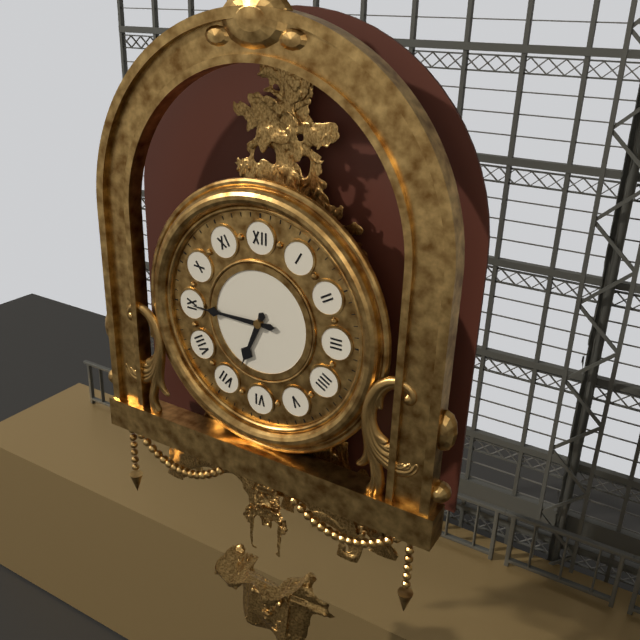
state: 6:45
